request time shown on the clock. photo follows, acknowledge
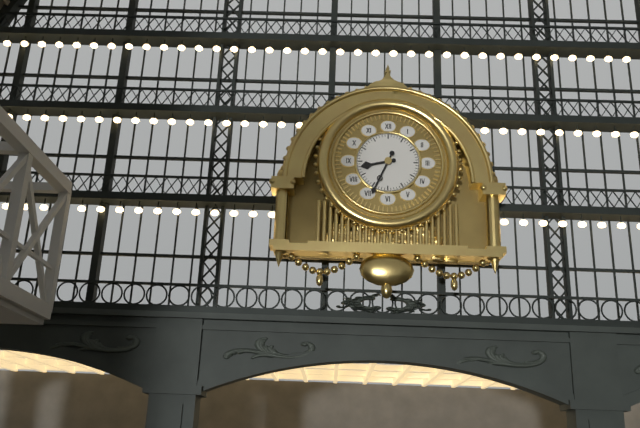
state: 8:34
